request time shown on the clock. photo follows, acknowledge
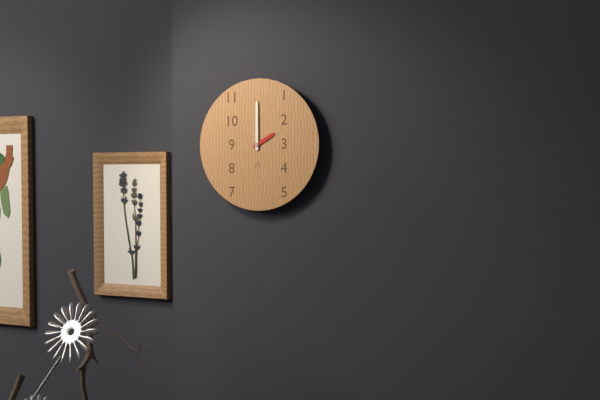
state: 2:00
